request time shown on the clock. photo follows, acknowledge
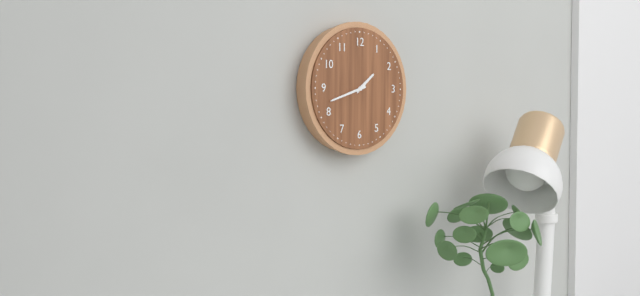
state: 1:42
